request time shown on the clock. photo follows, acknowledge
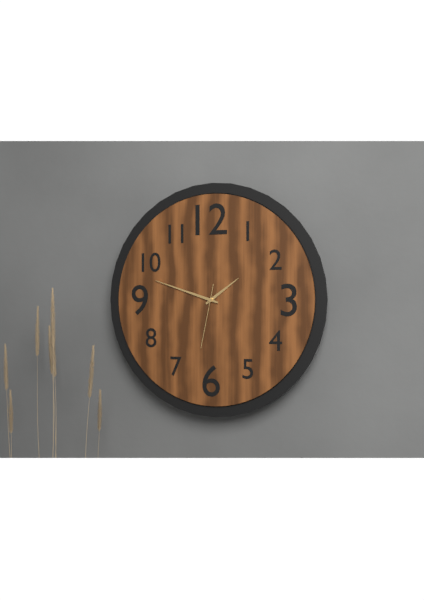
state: 1:48:32
